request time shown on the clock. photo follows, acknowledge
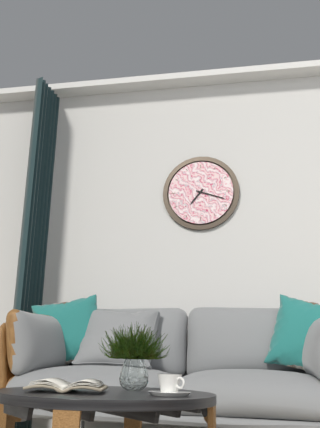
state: 7:18
